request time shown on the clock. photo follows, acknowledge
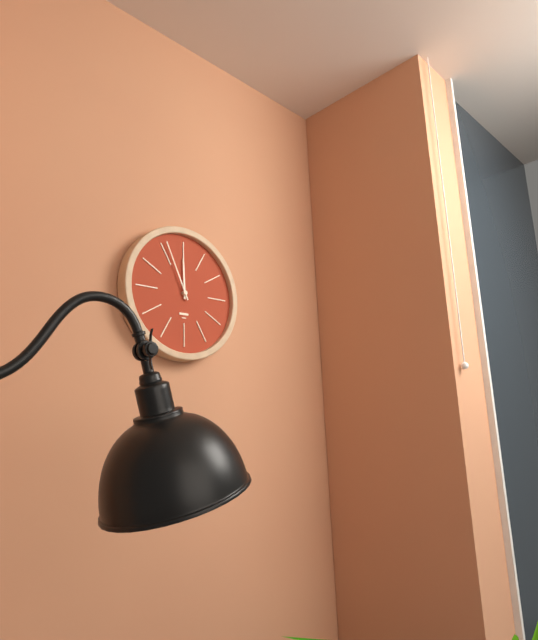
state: 11:56
